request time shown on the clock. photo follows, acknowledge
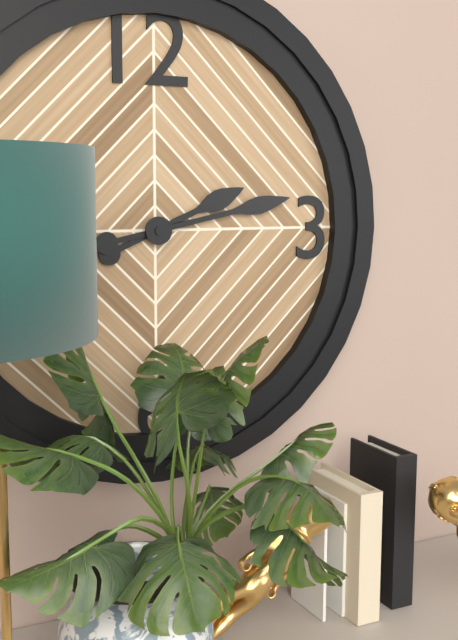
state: 2:13
